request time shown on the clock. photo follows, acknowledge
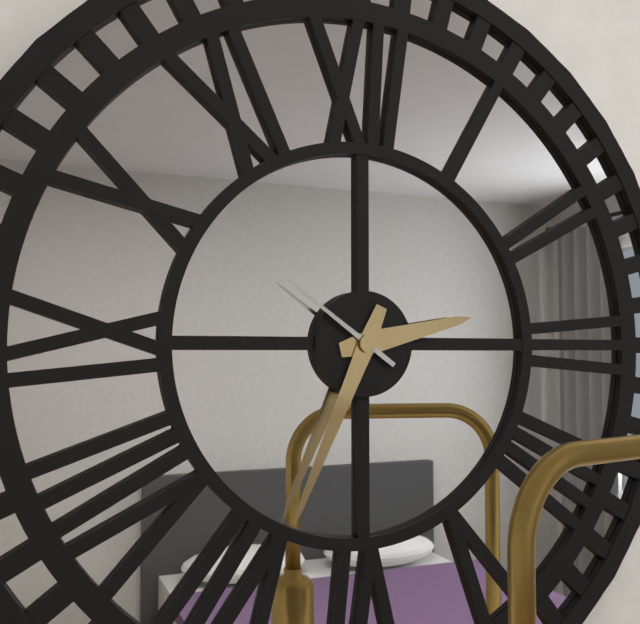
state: 2:34:51
